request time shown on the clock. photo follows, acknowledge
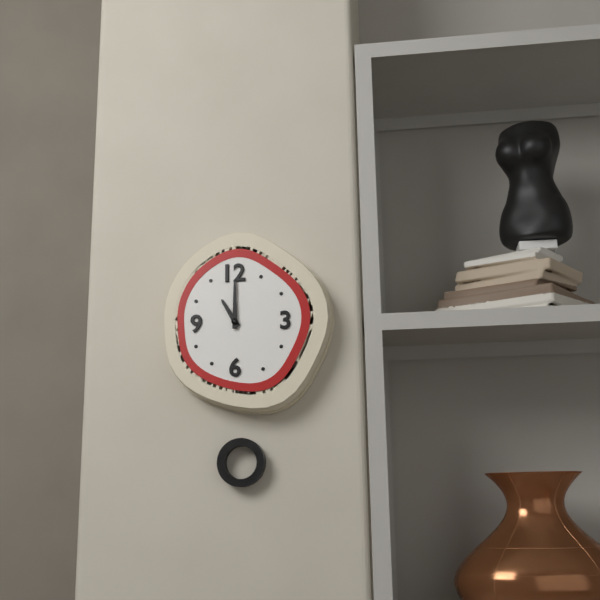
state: 11:00
